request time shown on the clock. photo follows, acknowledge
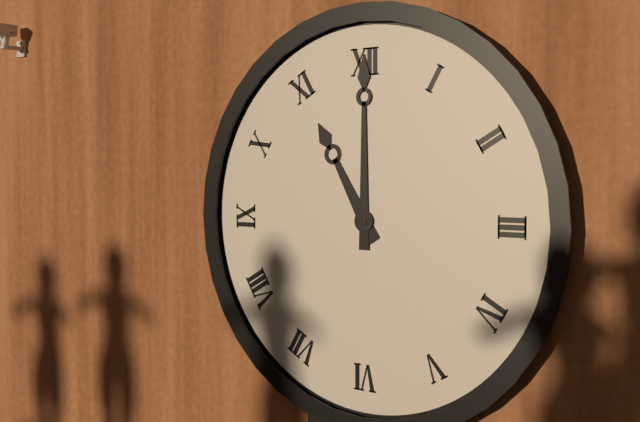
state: 11:00
